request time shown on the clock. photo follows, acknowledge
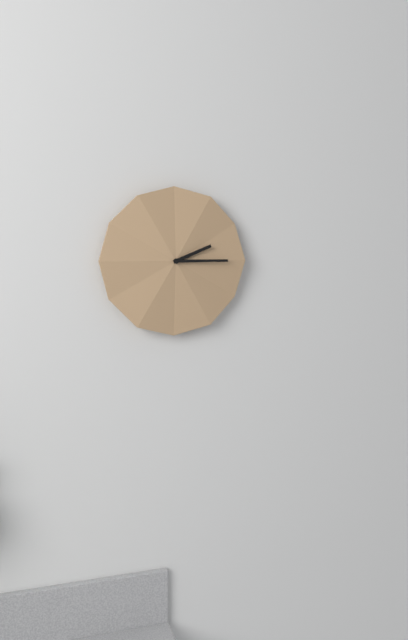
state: 2:15
